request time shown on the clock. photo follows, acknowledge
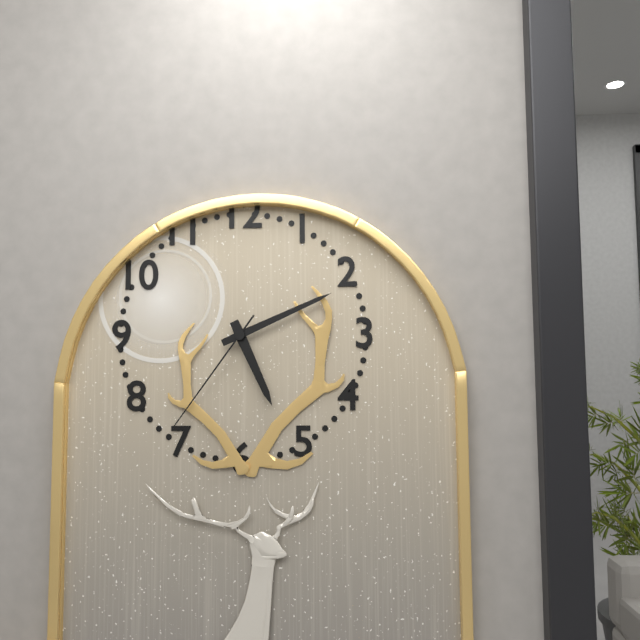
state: 5:11:36
